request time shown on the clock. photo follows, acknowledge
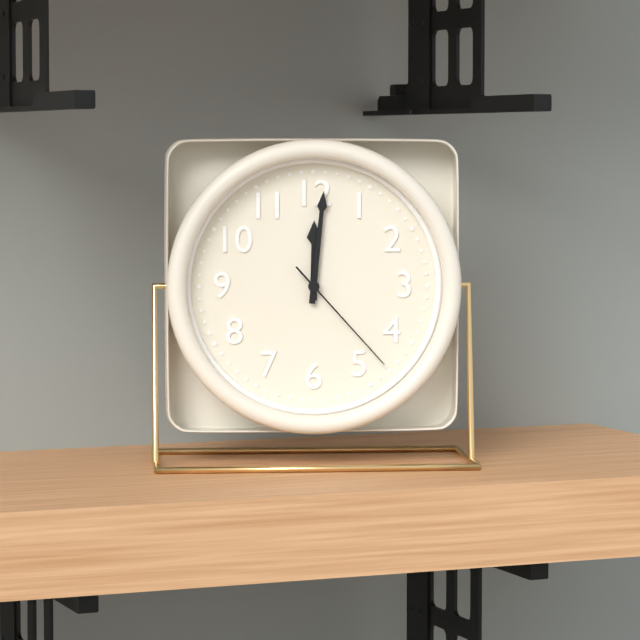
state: 12:01:23
